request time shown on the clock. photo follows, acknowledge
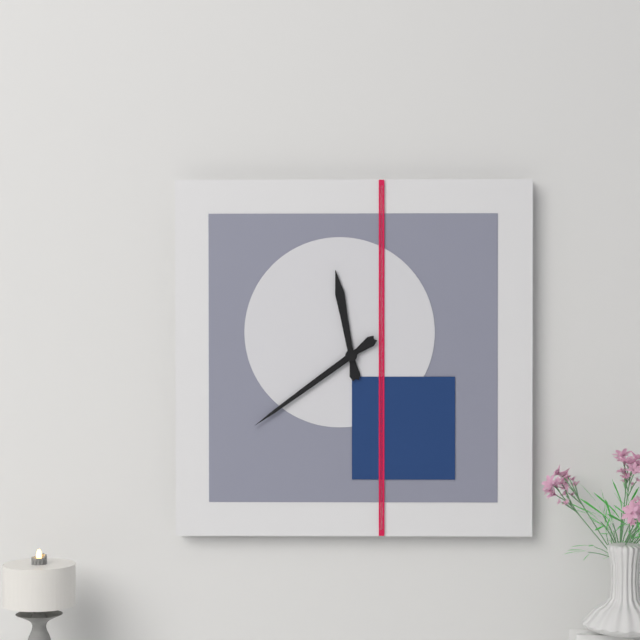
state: 11:39
